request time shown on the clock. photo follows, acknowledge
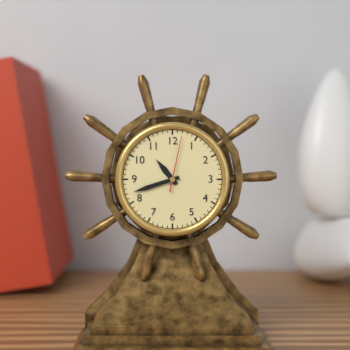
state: 10:42:02
